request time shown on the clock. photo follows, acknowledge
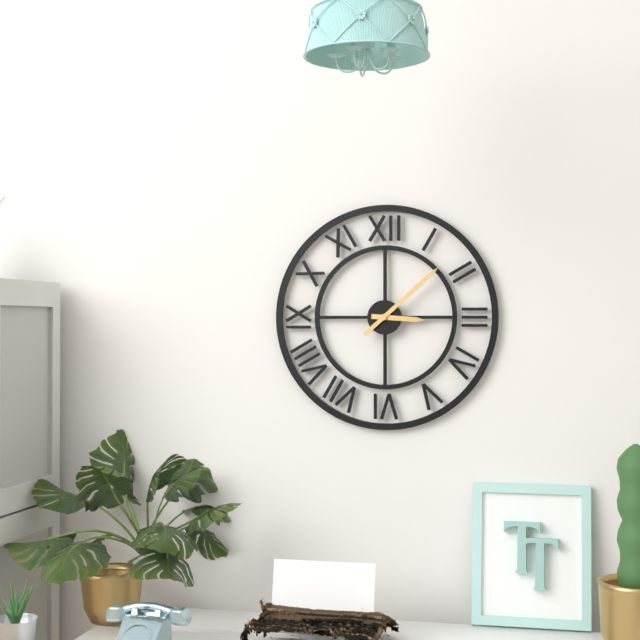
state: 3:08
